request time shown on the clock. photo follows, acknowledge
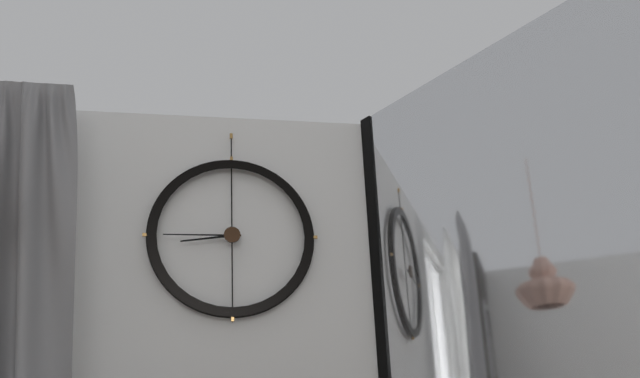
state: 8:45
